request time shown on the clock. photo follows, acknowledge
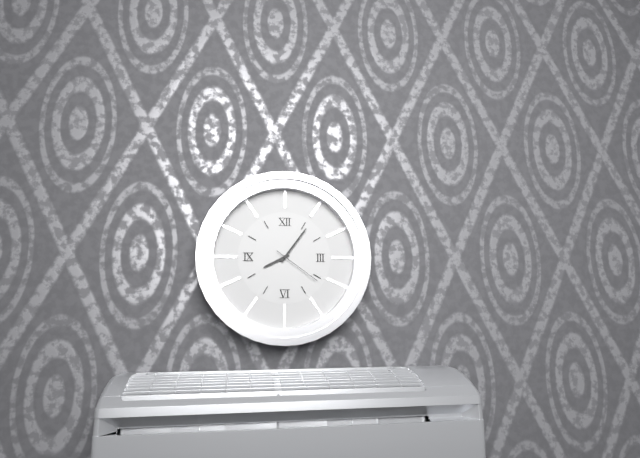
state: 8:06:21
